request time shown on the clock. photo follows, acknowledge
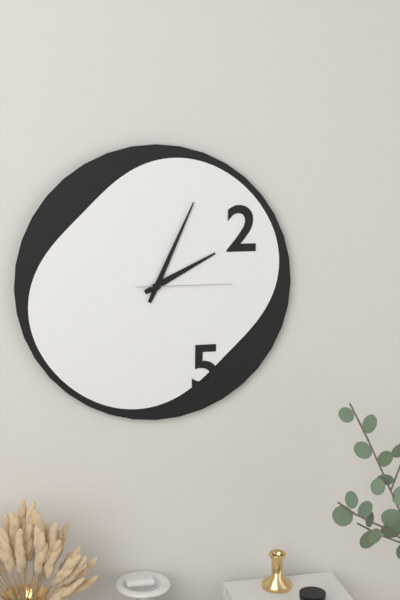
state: 2:04:15
